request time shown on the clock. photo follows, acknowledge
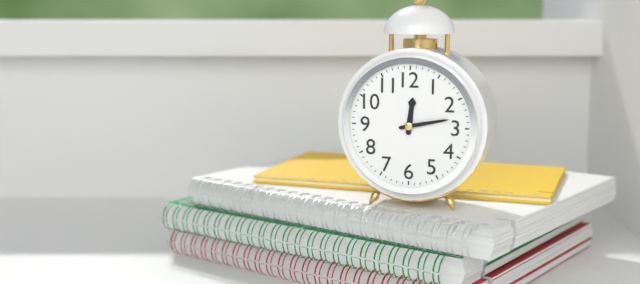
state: 12:13
